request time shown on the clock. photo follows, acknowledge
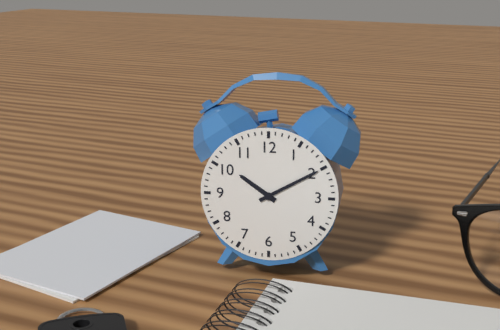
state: 10:10
